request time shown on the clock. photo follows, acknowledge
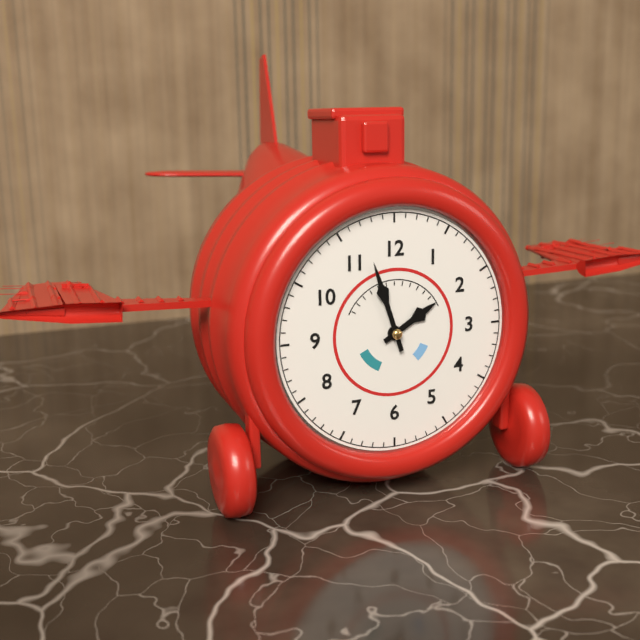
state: 1:57
